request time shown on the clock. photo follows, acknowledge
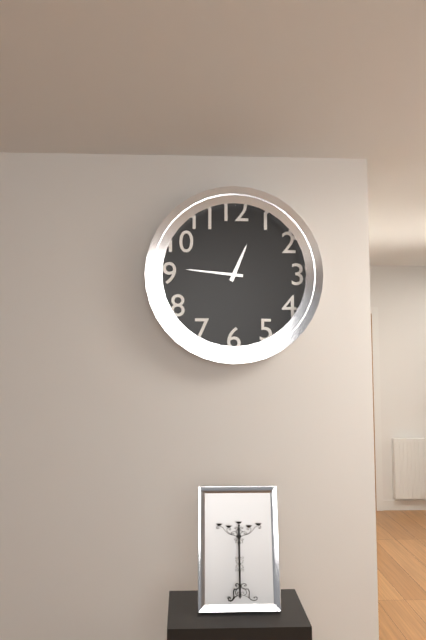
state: 12:46
